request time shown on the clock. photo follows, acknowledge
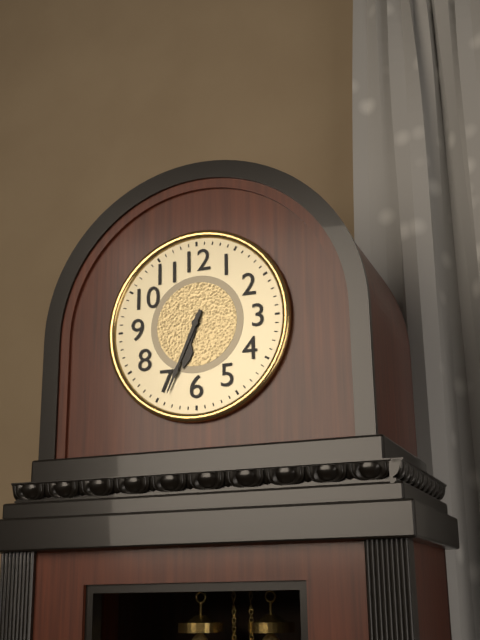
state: 6:34
